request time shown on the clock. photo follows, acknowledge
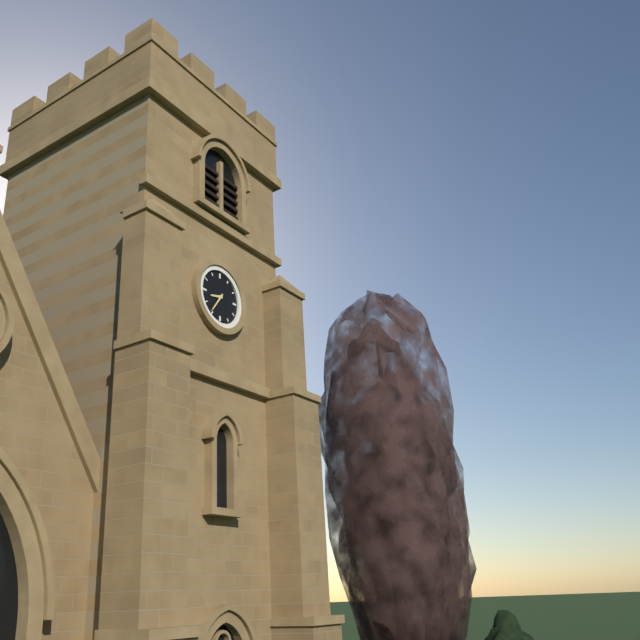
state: 8:36
